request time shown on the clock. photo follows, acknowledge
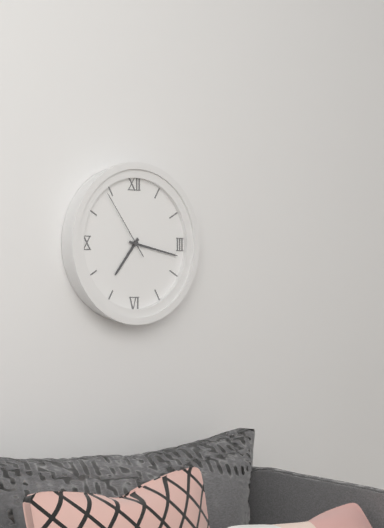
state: 7:17:54
